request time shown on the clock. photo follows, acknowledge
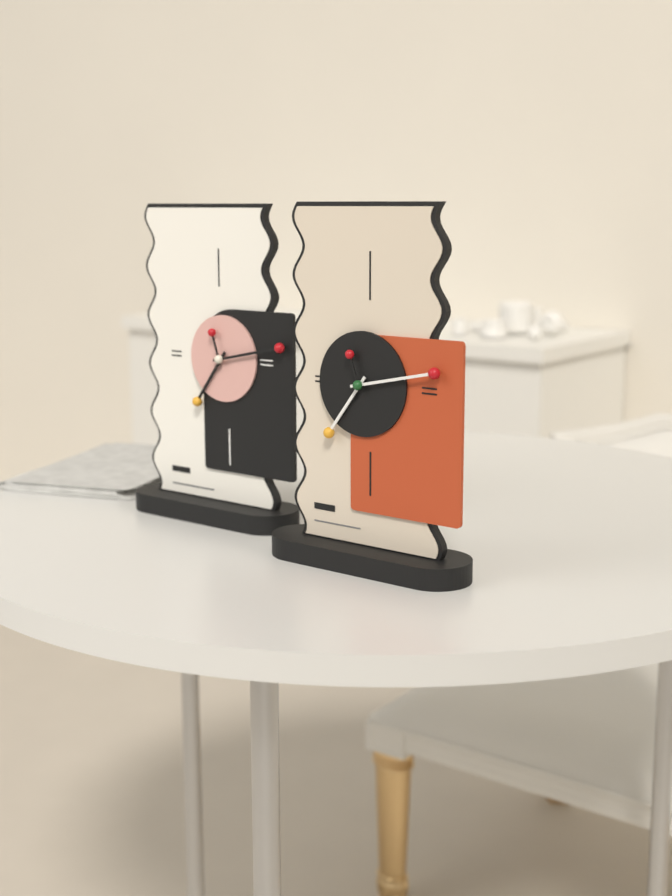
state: 7:13
